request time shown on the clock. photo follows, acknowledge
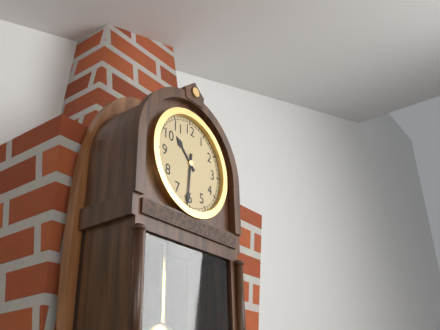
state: 10:31
